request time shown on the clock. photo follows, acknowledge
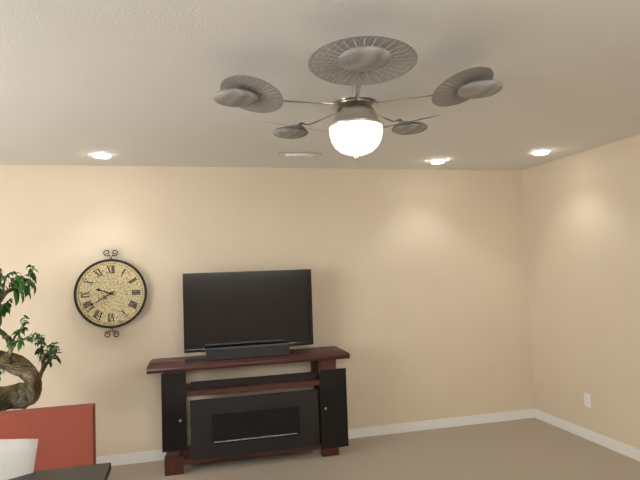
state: 9:40
